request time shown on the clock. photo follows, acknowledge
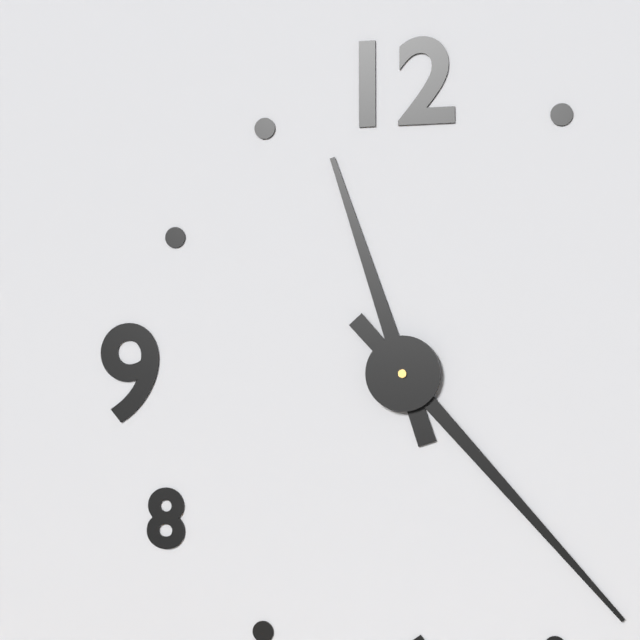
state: 11:23
